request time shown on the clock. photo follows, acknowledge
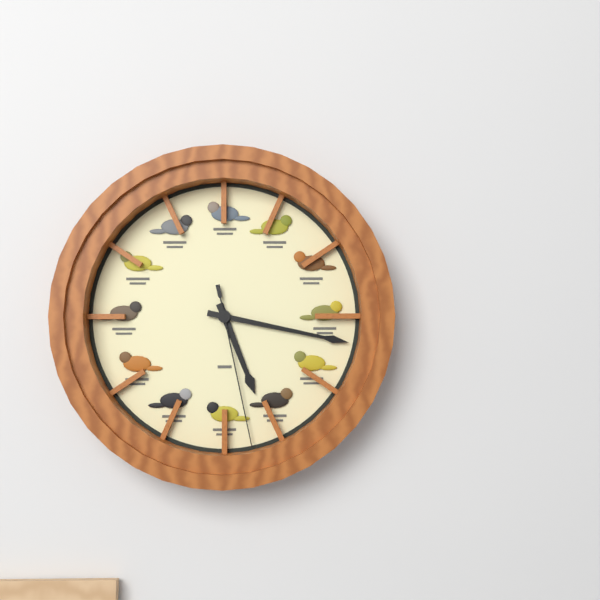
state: 5:17:28
